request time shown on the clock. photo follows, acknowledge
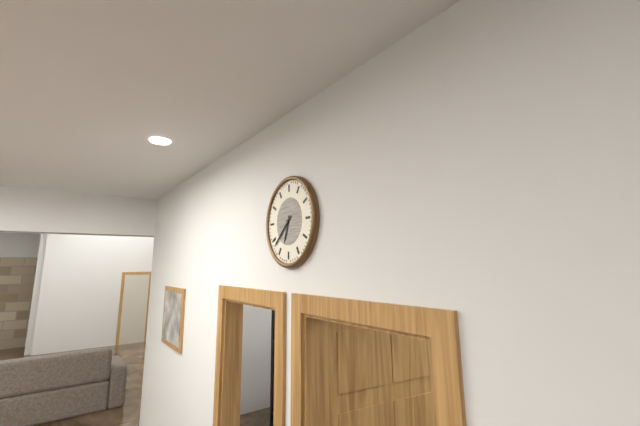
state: 6:38
